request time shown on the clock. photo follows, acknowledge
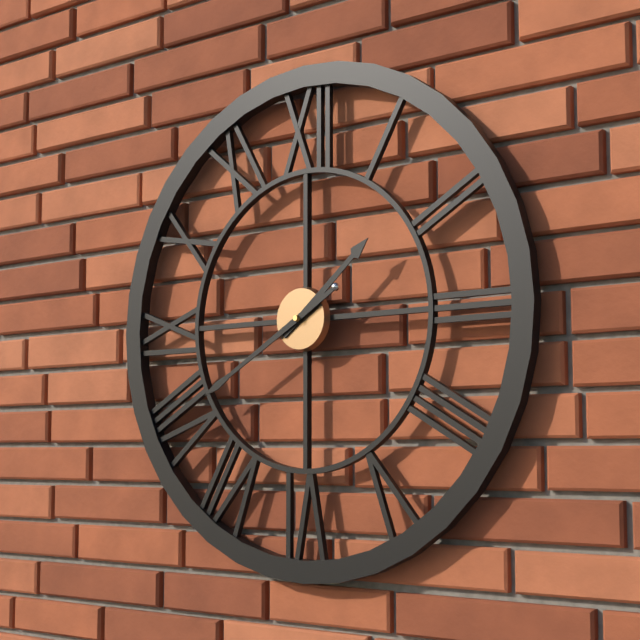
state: 1:40
